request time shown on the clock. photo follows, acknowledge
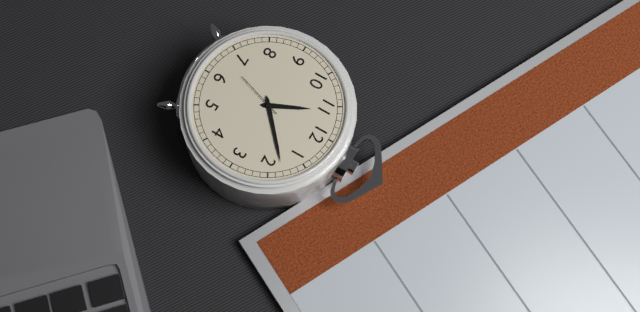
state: 11:08
